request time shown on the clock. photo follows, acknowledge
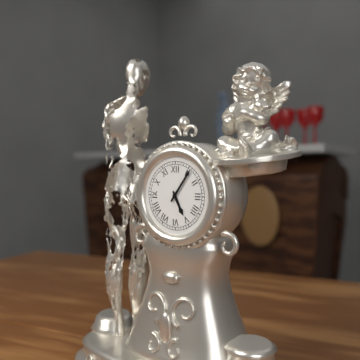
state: 5:06
